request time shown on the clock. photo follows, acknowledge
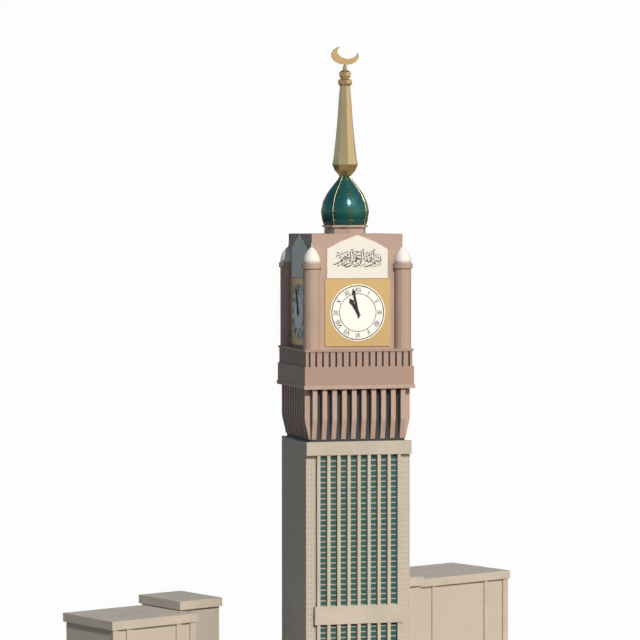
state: 10:58
